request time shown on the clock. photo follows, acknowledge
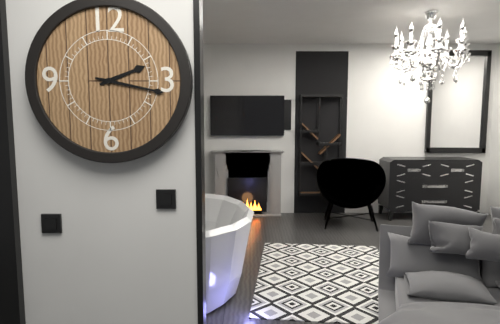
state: 2:17
